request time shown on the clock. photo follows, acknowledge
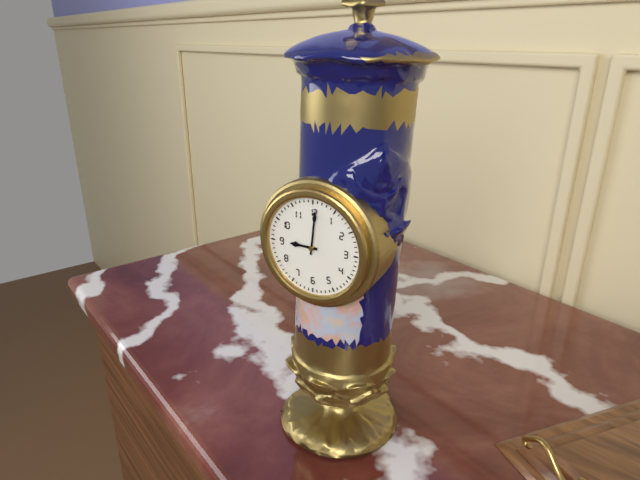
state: 9:01
